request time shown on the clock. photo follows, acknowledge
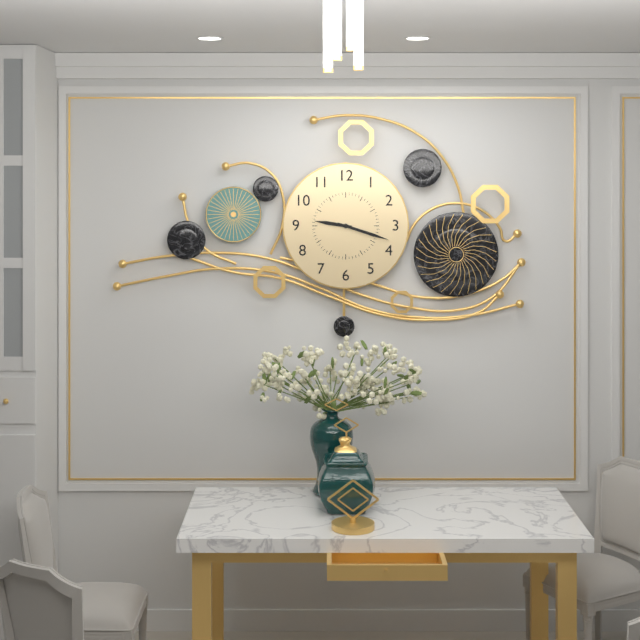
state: 9:18
